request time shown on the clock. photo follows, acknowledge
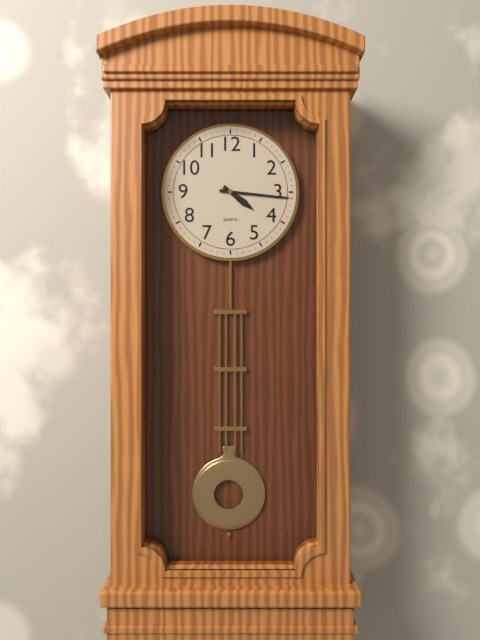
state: 4:16
